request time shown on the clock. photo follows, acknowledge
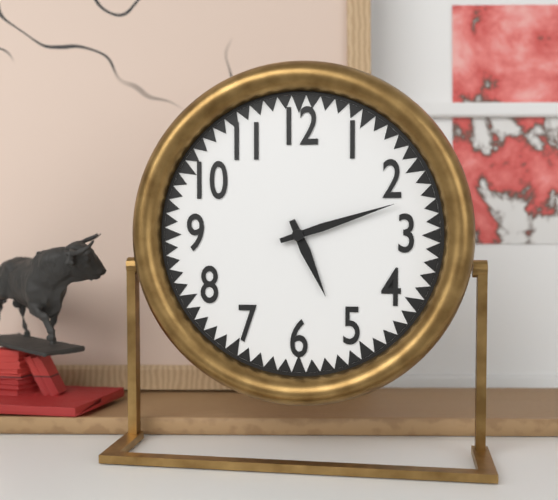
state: 5:12
